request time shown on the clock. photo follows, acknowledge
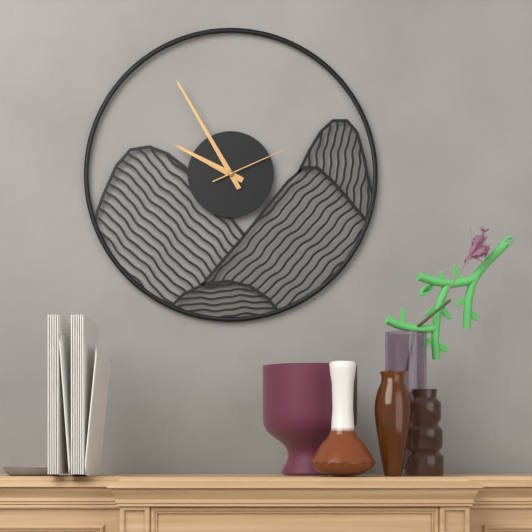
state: 9:55:11
